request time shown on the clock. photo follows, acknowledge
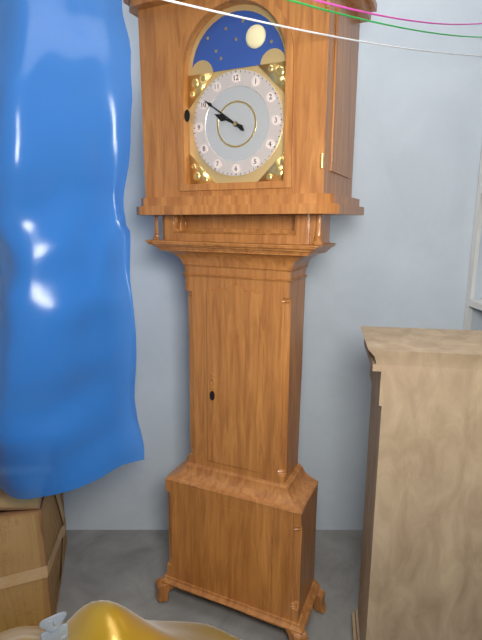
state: 9:51
